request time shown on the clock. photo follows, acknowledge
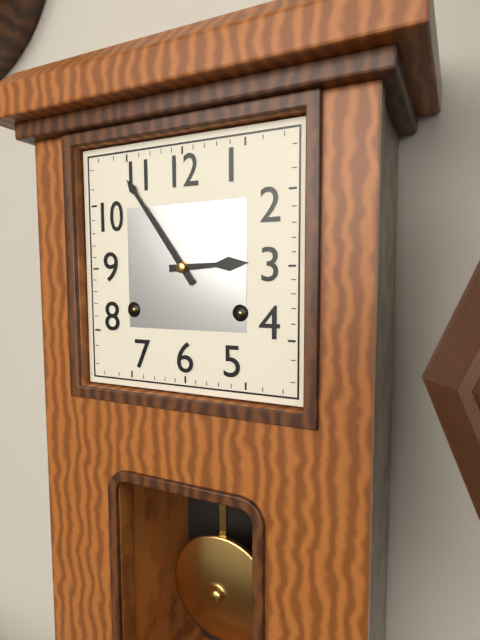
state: 2:54
